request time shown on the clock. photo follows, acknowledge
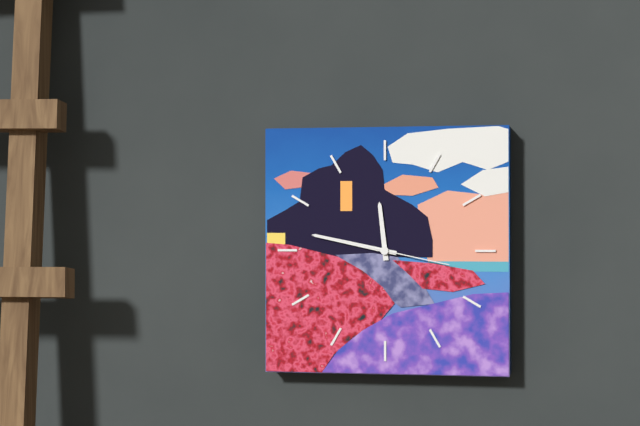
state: 11:47:17
